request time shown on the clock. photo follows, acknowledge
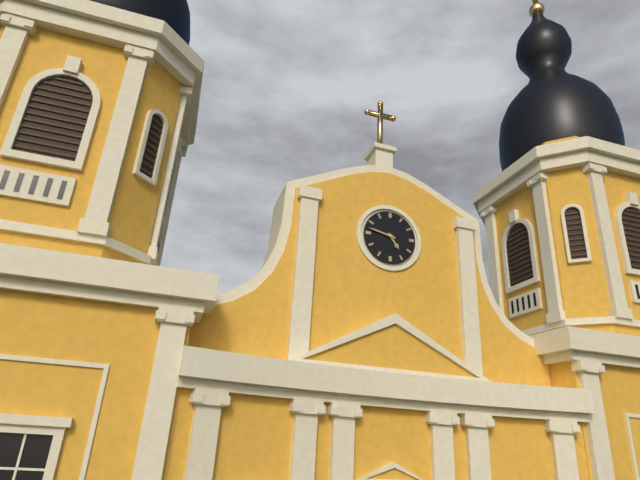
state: 4:47
